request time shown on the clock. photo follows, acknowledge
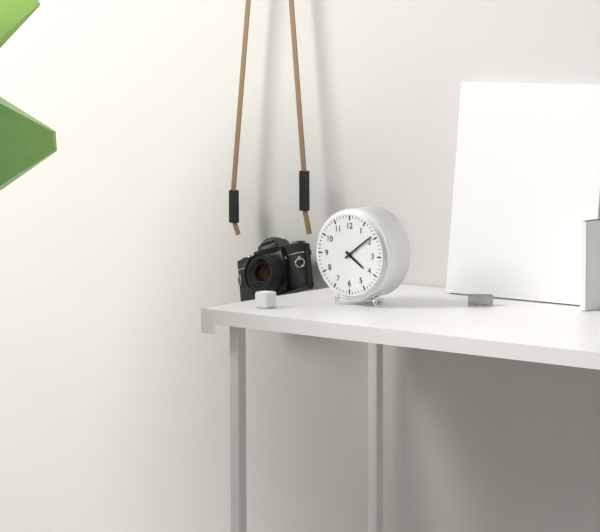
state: 4:09
